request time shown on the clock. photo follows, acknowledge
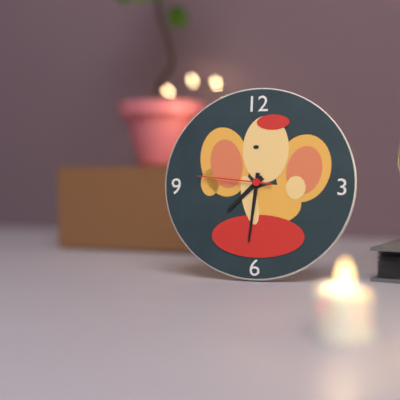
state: 7:31:46
